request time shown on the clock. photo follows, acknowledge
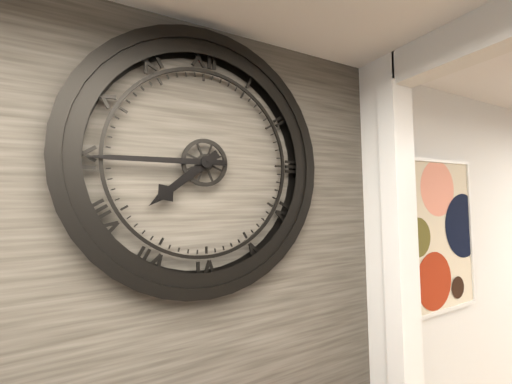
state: 7:45
